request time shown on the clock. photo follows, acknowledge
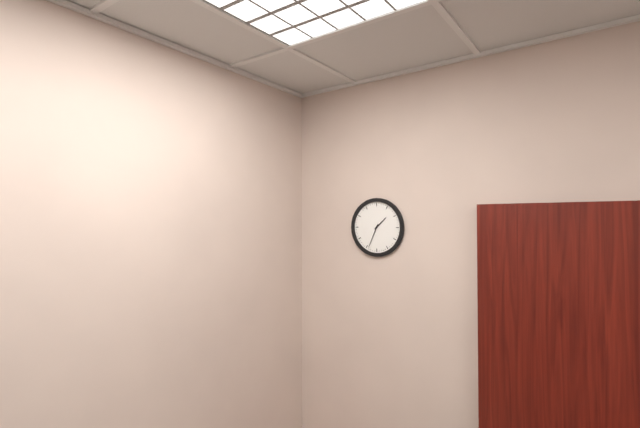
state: 1:34
